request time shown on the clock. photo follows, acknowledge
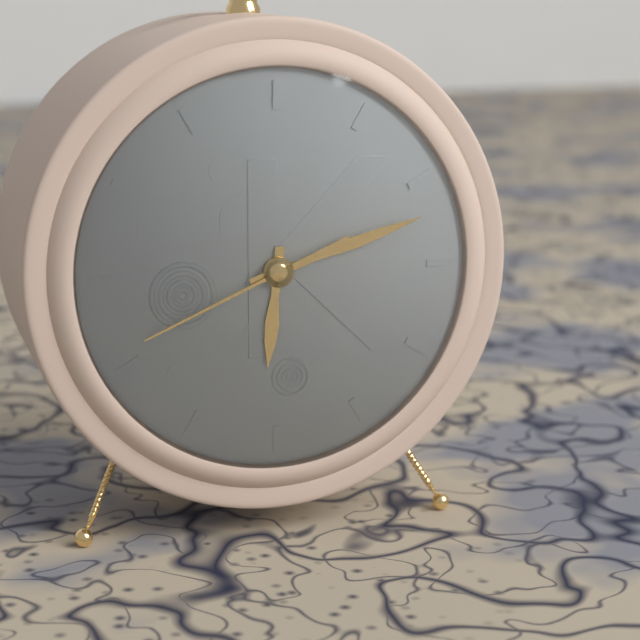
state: 6:12:41
